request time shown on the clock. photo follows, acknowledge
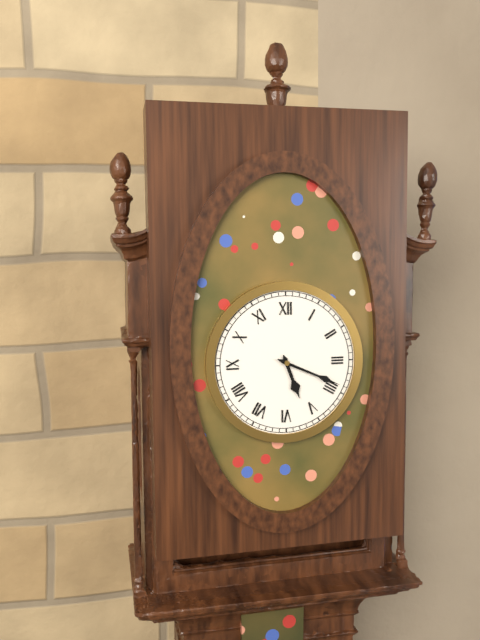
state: 5:19
